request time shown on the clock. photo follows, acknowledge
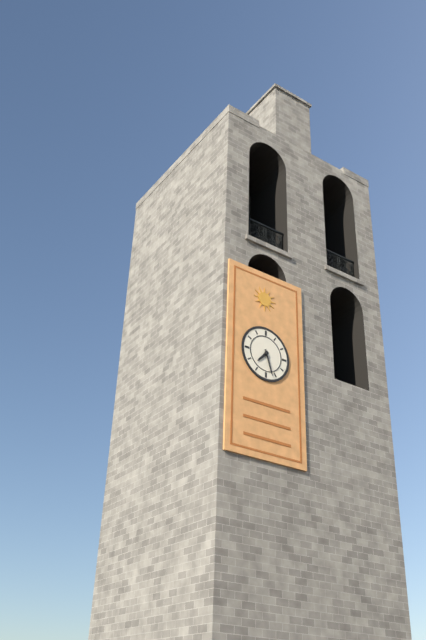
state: 7:27
